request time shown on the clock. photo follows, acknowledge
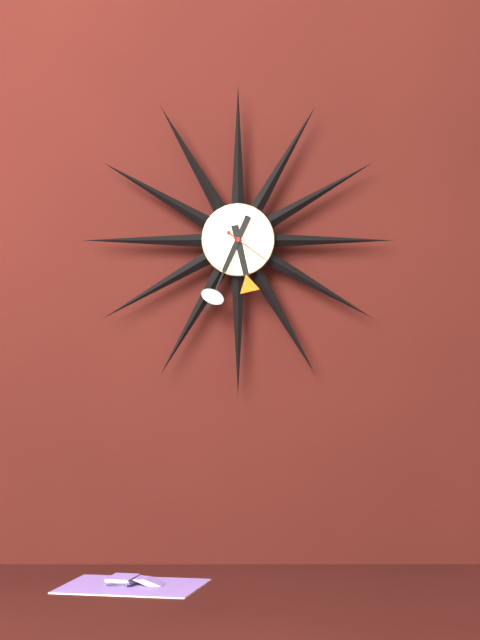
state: 5:34
